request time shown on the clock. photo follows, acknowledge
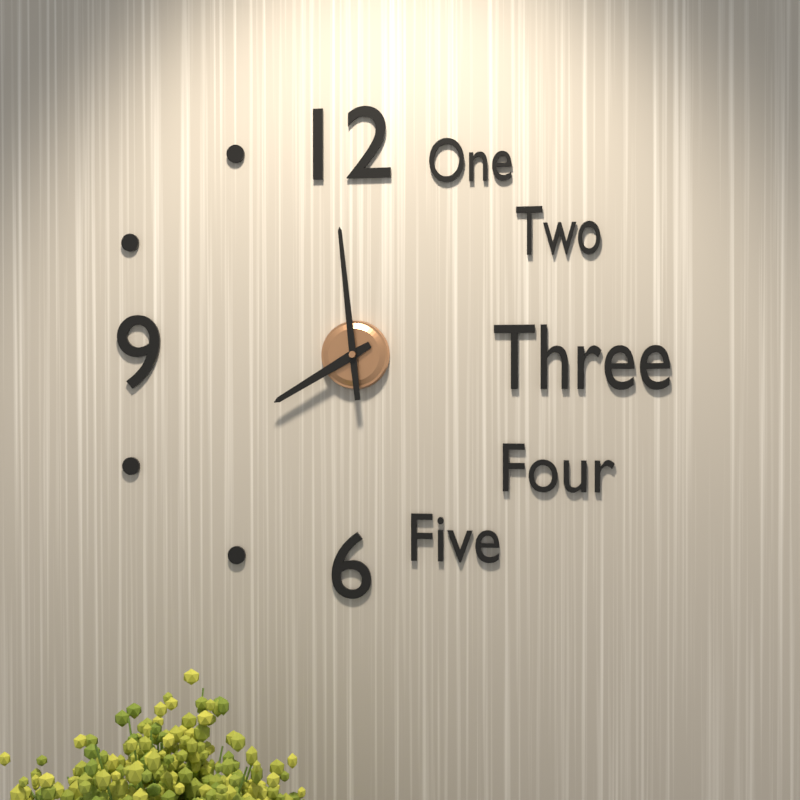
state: 7:59
